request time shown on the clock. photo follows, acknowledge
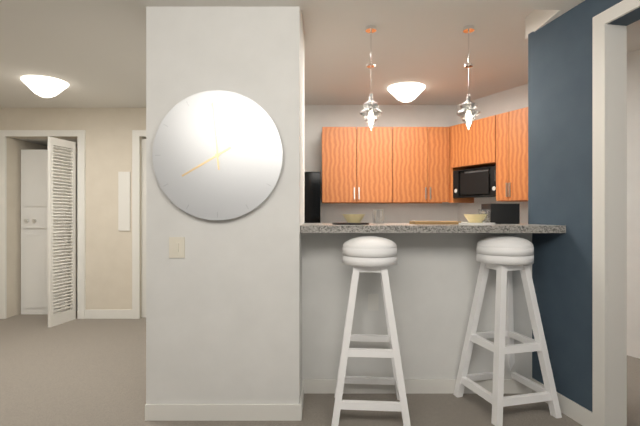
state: 7:59
